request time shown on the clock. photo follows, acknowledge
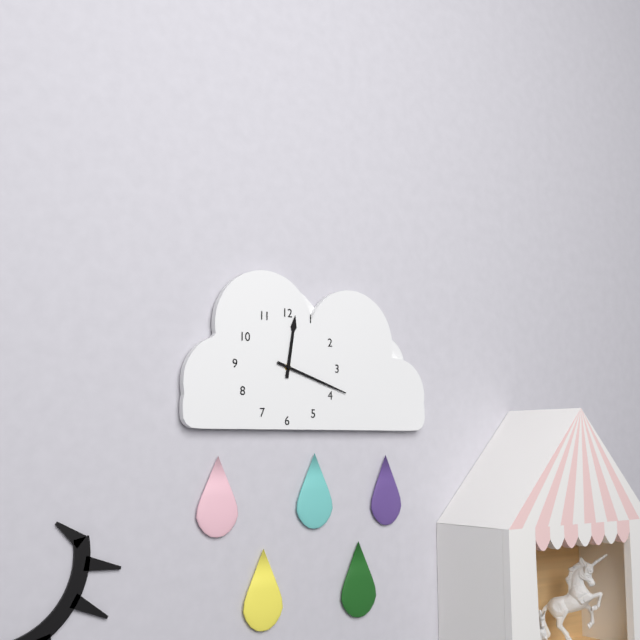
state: 12:18
